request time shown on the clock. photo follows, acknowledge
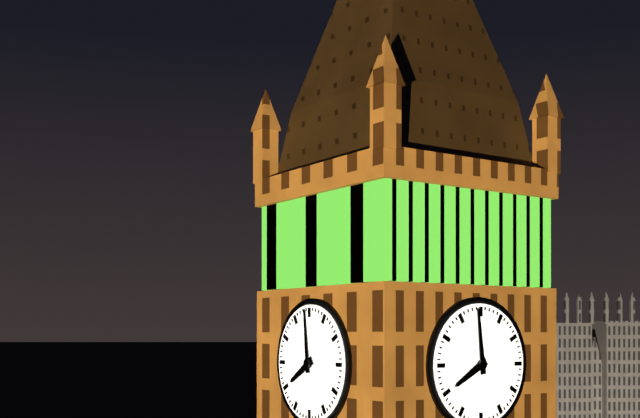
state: 7:59
